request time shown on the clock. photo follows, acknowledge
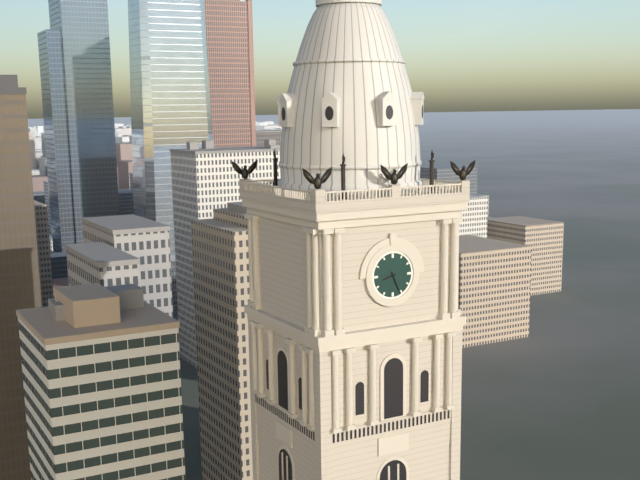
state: 8:26
